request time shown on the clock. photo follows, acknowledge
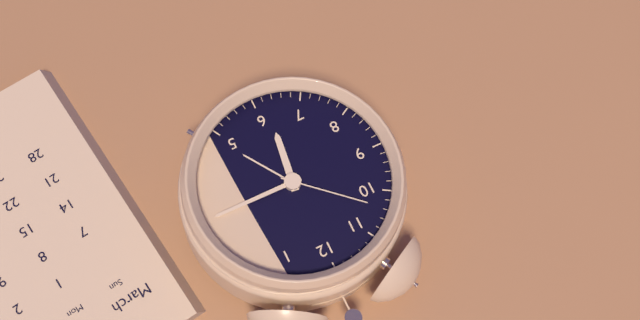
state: 6:15:52
